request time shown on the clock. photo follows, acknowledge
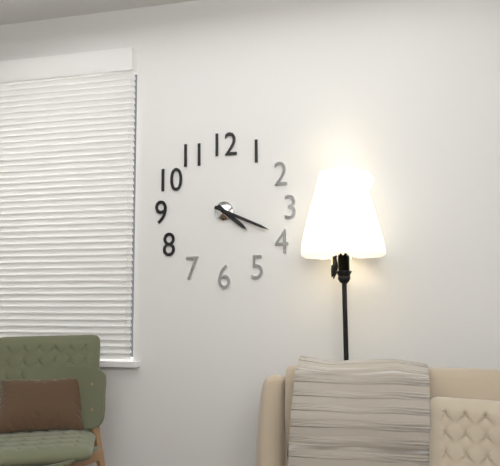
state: 4:19
